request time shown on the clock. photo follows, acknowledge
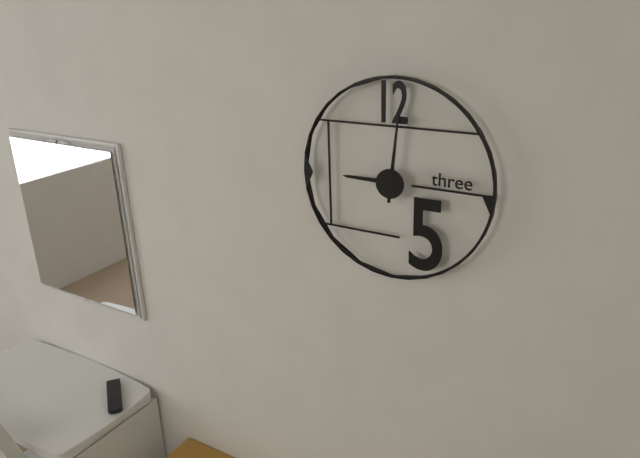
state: 9:01
